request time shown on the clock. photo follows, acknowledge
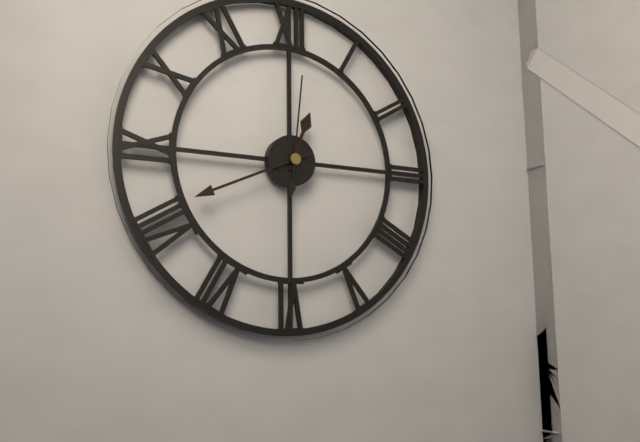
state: 12:41:01
